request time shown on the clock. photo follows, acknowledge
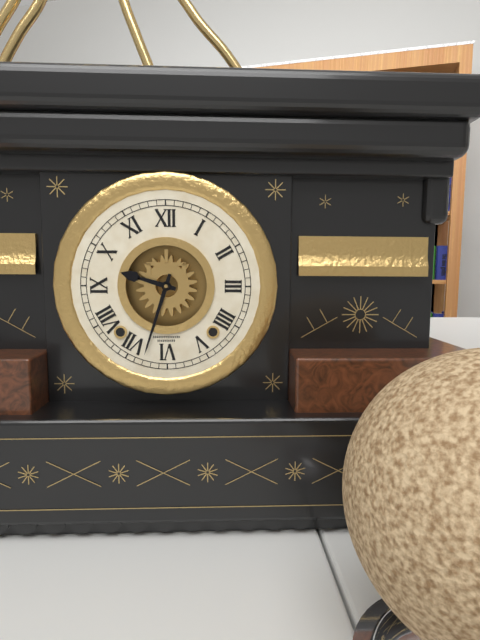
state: 9:33
